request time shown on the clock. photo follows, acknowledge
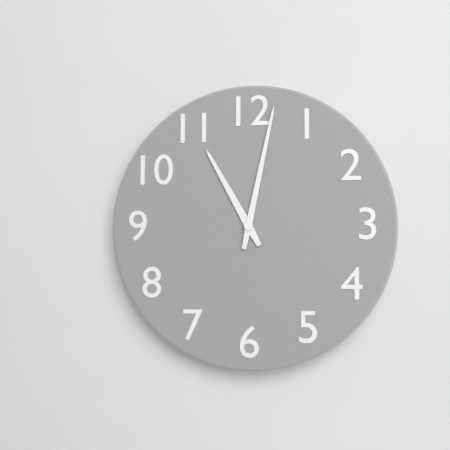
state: 11:02
